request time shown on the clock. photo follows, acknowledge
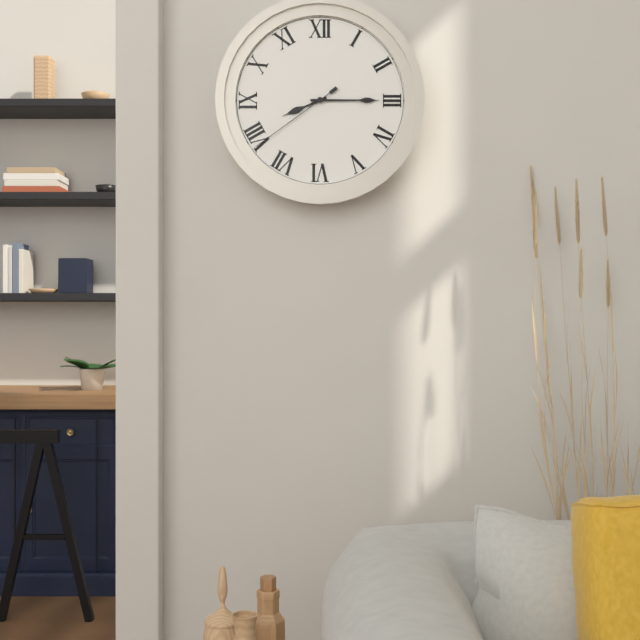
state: 8:15:39
